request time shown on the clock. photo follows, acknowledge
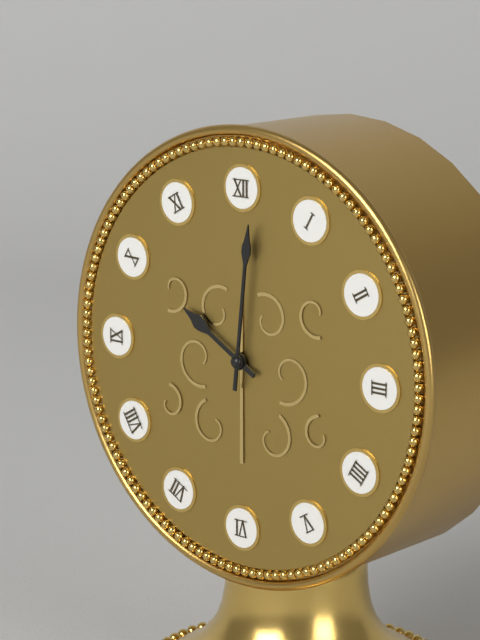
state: 10:01
